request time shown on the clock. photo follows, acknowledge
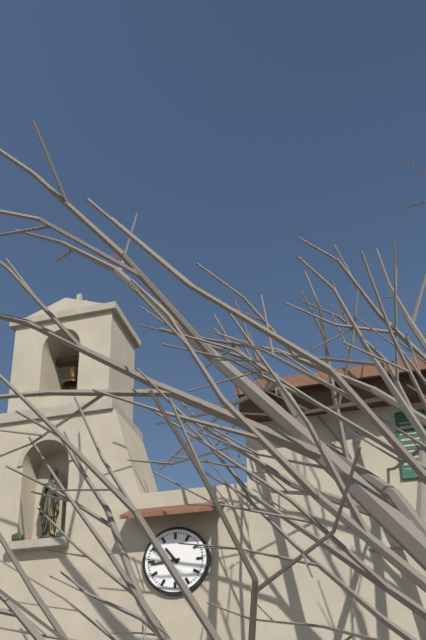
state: 10:44
